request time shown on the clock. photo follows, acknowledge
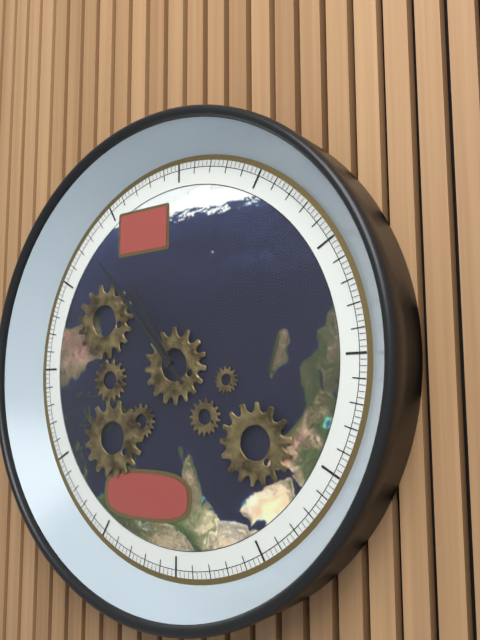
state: 10:53
